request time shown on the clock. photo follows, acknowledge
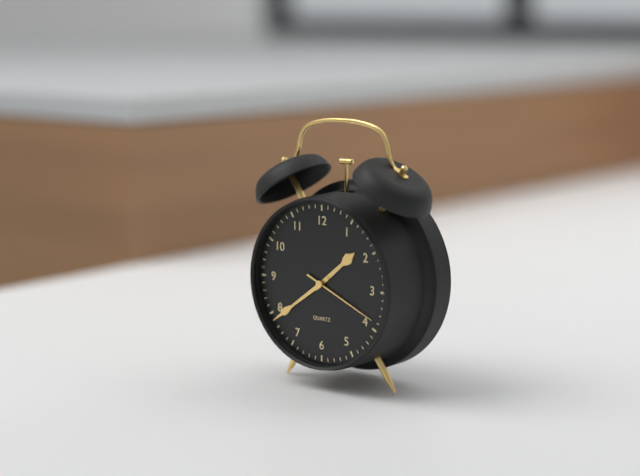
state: 1:39:19
